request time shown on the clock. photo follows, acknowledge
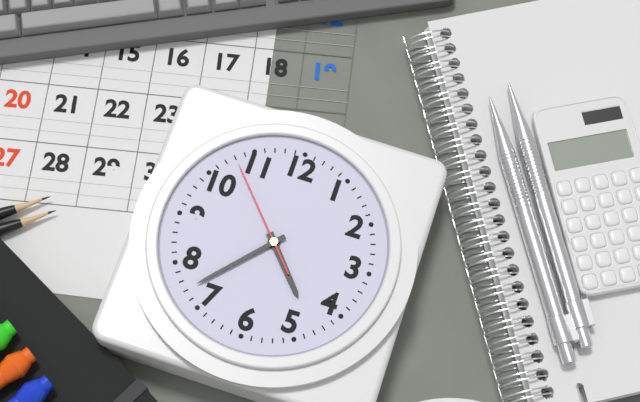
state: 4:37:53
